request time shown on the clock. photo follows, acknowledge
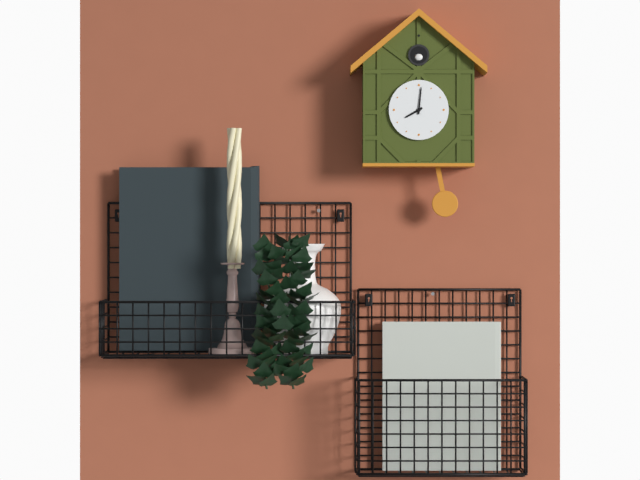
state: 8:01
